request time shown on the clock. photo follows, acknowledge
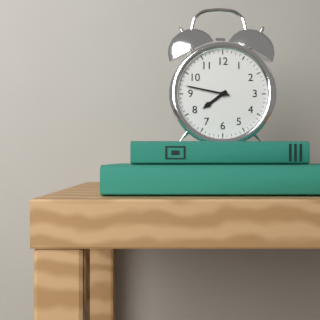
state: 7:47
